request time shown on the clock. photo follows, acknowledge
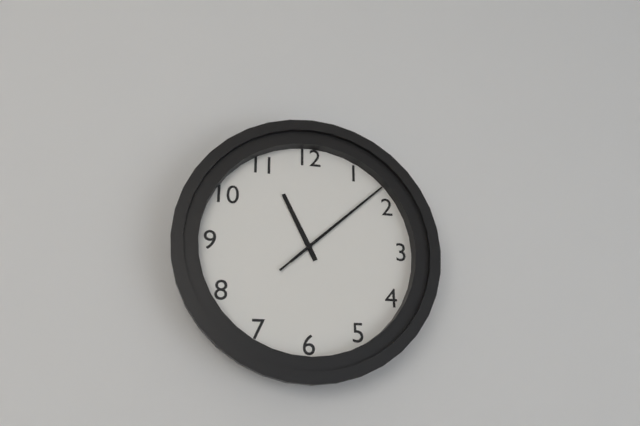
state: 11:08:08
